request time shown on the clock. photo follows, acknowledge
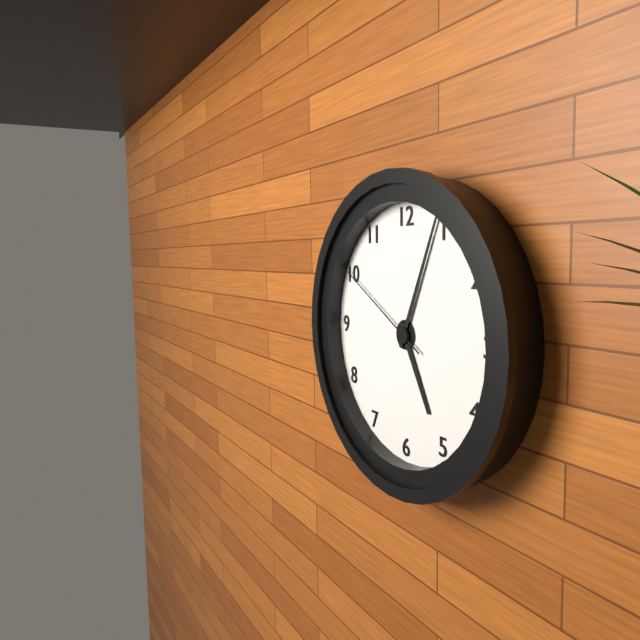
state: 5:04:50
